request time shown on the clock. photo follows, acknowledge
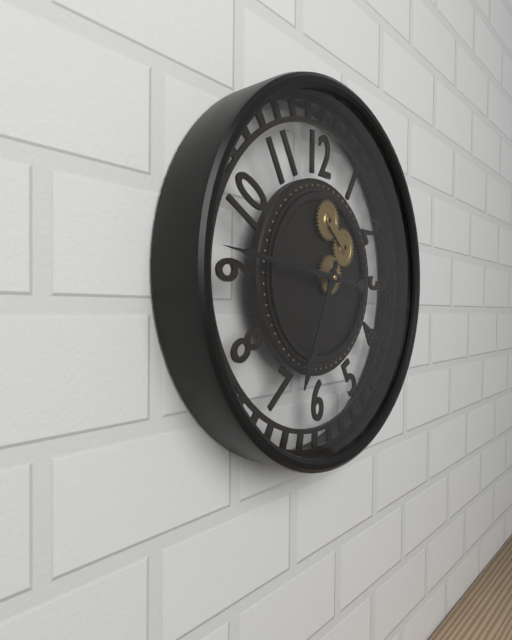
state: 6:46
